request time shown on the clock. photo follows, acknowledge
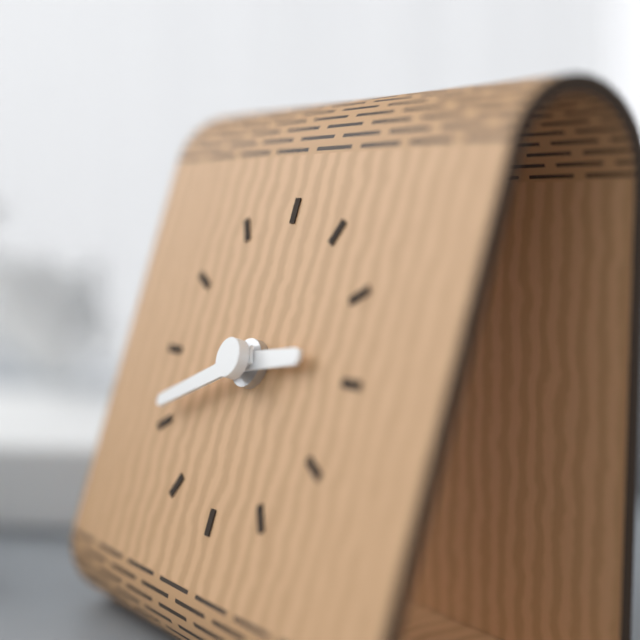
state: 2:41
